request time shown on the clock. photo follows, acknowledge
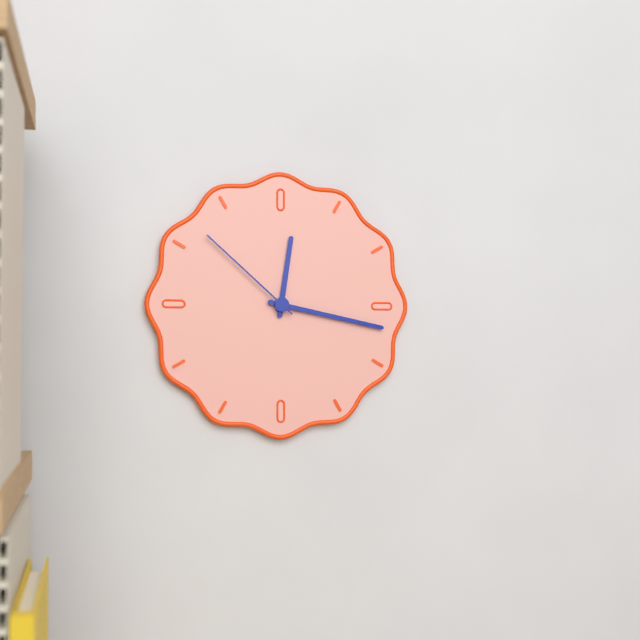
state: 12:17:52
